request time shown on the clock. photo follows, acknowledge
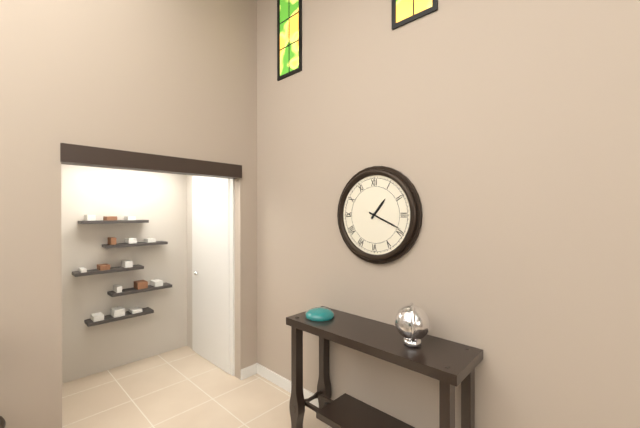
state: 1:19
